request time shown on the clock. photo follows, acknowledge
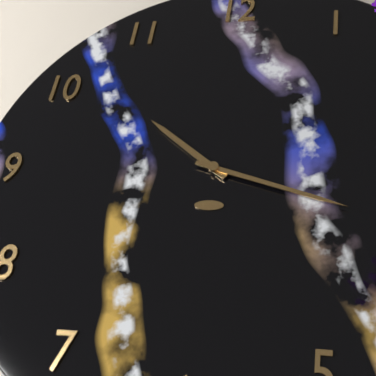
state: 10:18
